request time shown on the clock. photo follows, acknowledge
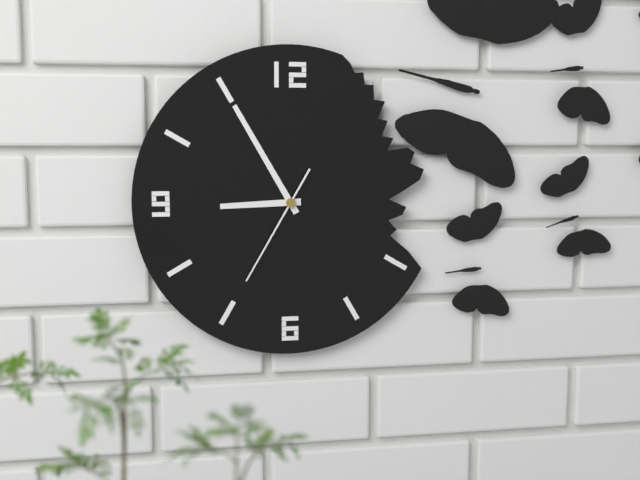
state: 8:55:35
